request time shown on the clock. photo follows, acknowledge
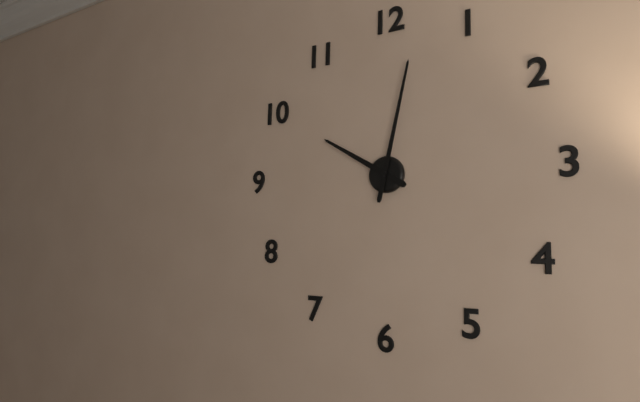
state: 10:02
